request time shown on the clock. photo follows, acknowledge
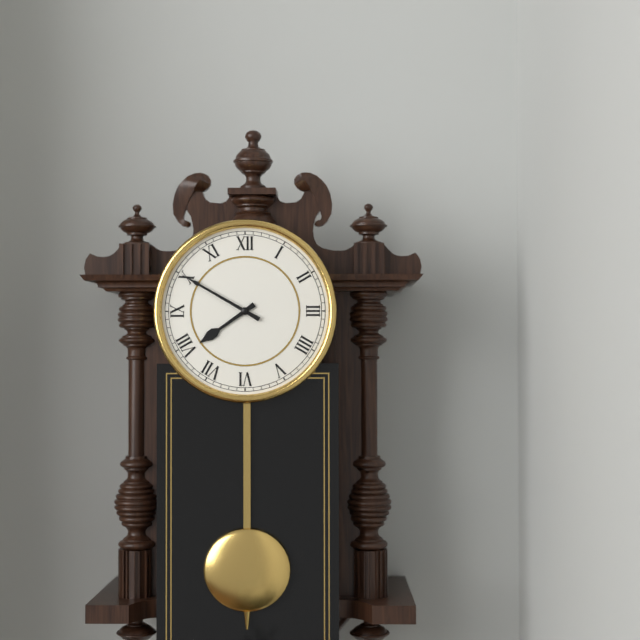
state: 7:50
